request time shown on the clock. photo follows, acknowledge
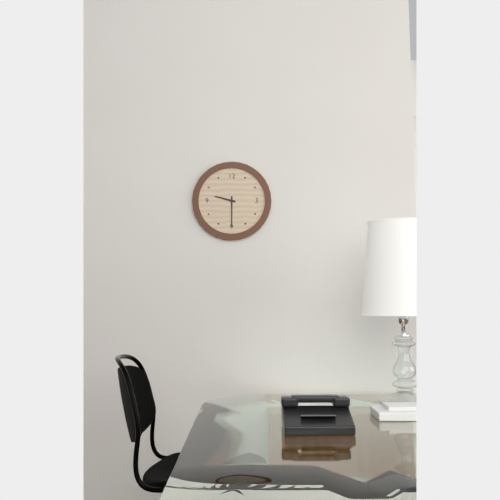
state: 9:30
